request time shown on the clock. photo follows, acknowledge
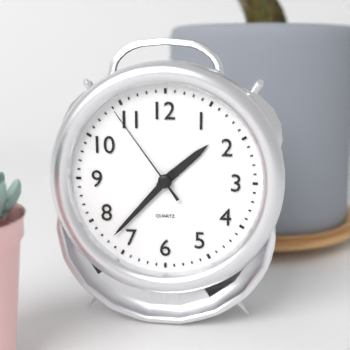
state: 1:37:54
